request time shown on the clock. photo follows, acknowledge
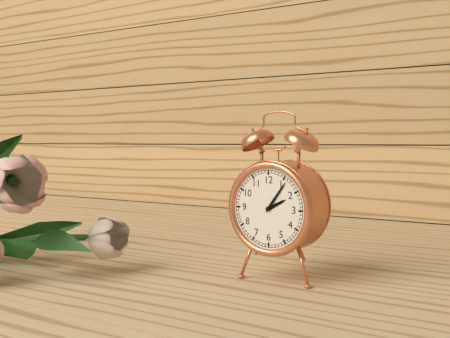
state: 2:06
